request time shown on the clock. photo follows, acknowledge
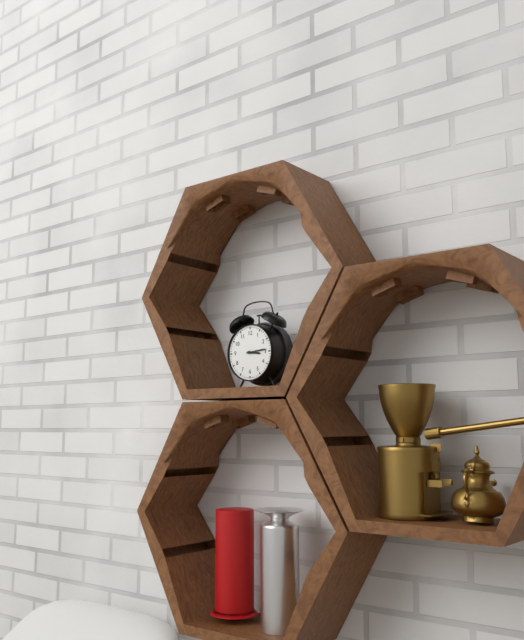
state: 3:14
